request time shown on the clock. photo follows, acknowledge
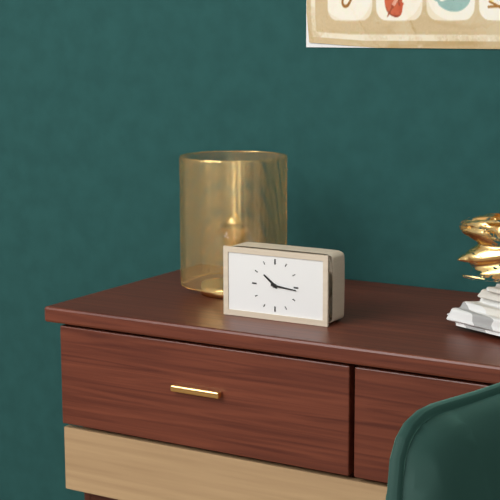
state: 10:16
